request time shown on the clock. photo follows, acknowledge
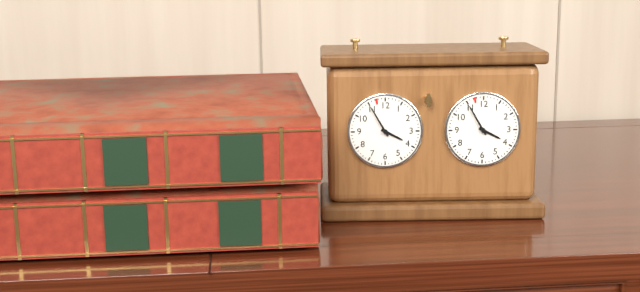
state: 3:55
